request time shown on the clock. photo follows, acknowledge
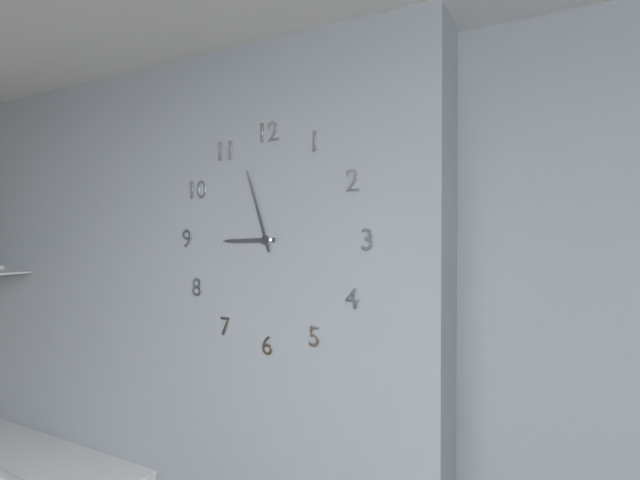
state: 8:57
